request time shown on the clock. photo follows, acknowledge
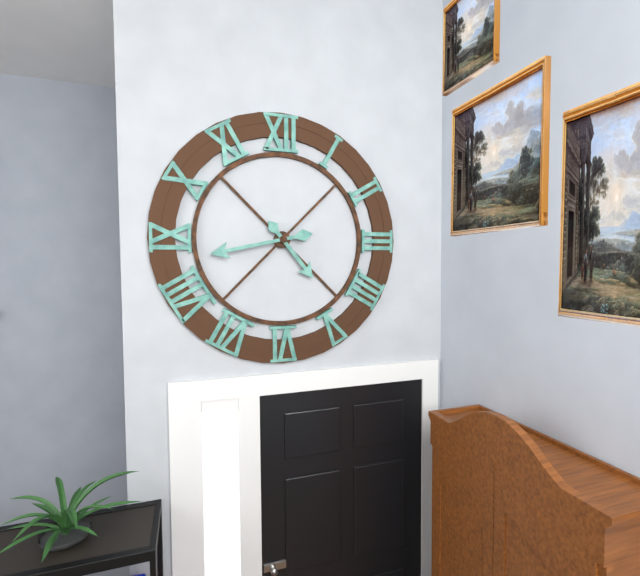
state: 4:43
